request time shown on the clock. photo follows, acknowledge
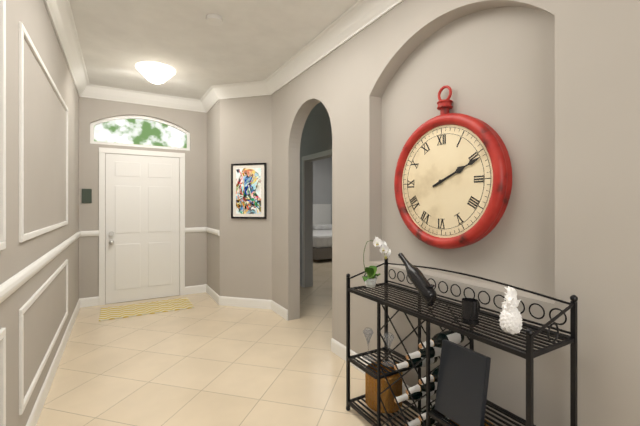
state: 2:11
